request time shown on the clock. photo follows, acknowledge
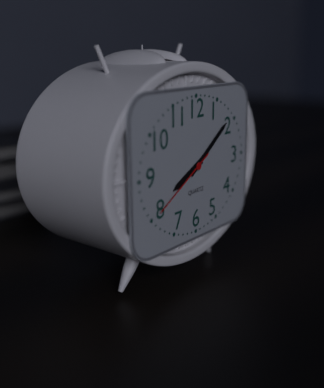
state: 8:09:40
